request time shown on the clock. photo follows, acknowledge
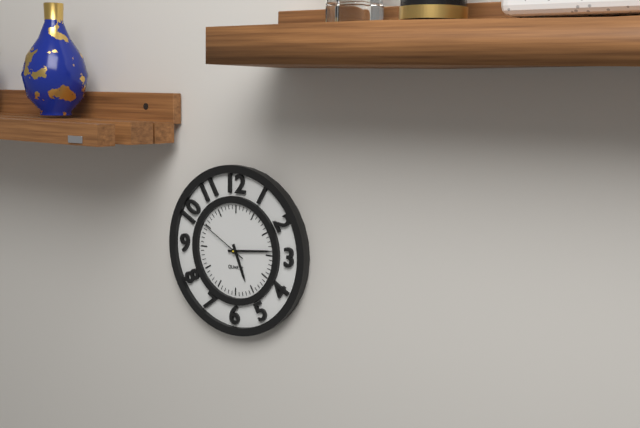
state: 5:14:50
